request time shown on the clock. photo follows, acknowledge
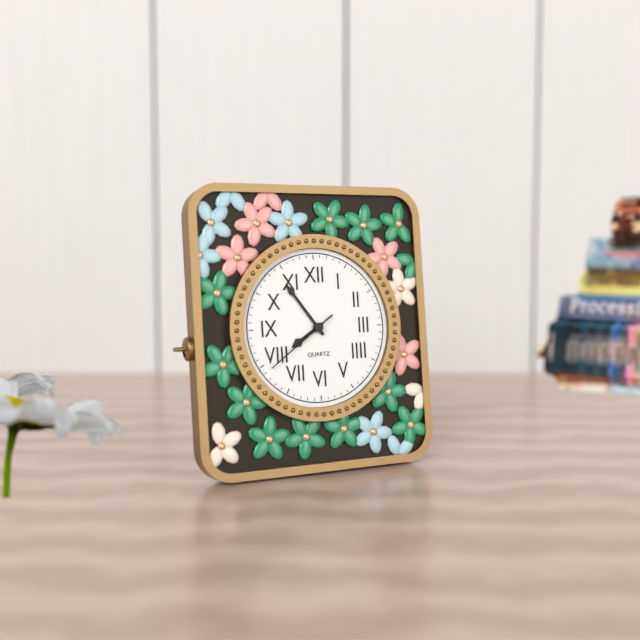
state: 7:54:39
